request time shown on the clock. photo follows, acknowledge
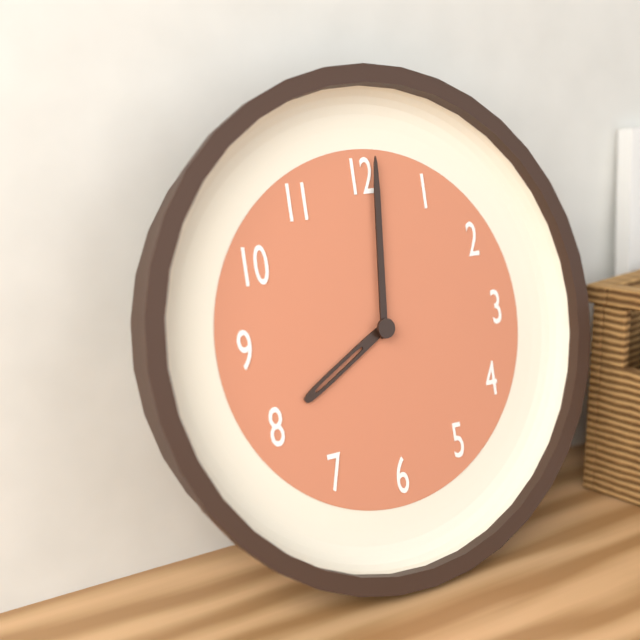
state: 8:01
